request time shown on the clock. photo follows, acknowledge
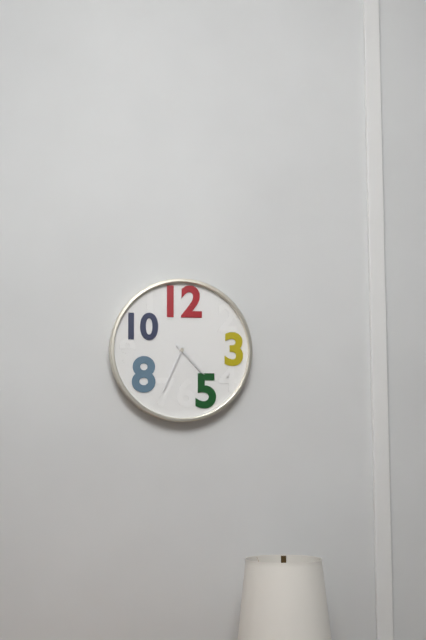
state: 4:34
